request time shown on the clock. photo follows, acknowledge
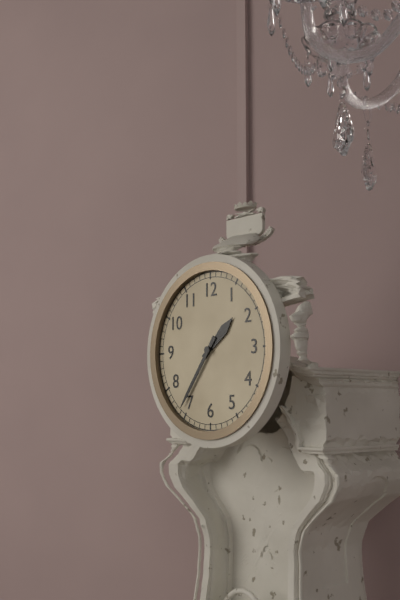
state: 1:36
